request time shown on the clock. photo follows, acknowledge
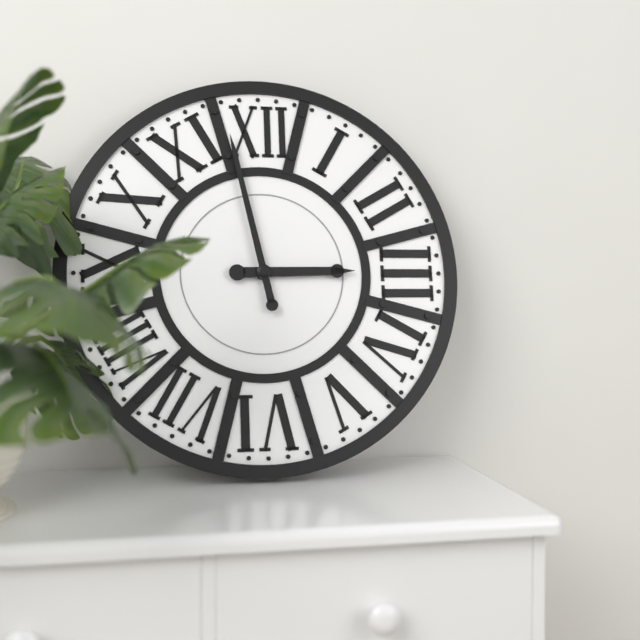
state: 2:58
